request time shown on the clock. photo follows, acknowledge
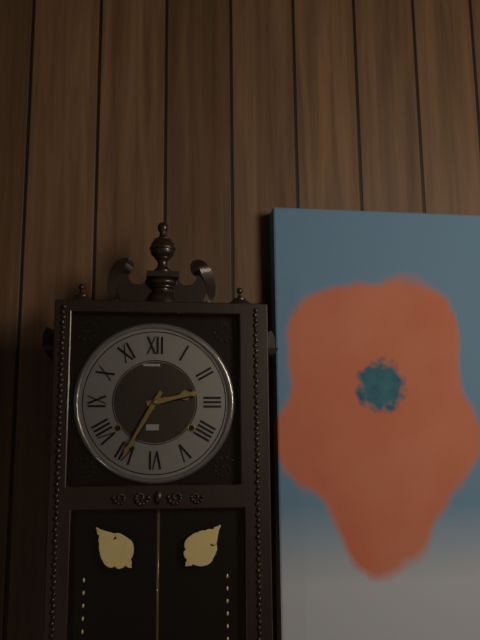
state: 2:35
